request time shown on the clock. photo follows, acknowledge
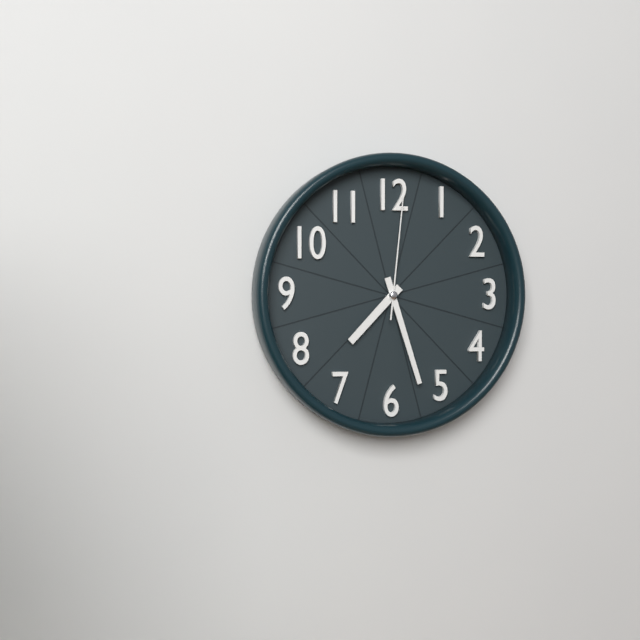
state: 7:27:01
